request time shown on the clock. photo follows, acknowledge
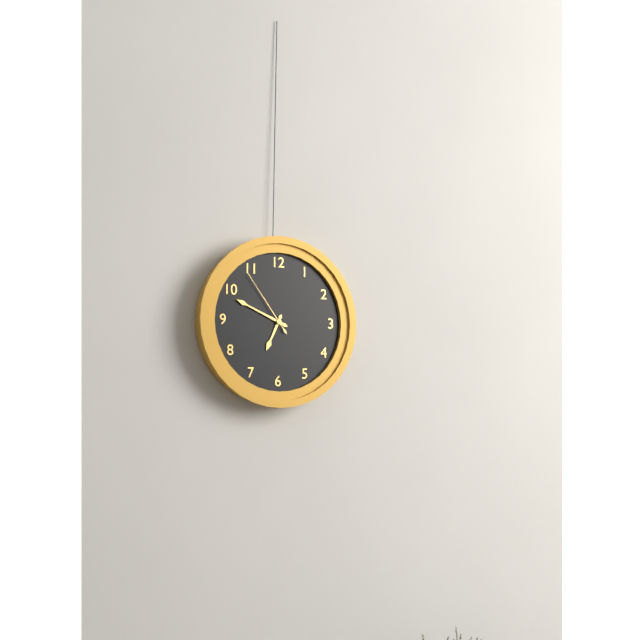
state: 6:49:54
